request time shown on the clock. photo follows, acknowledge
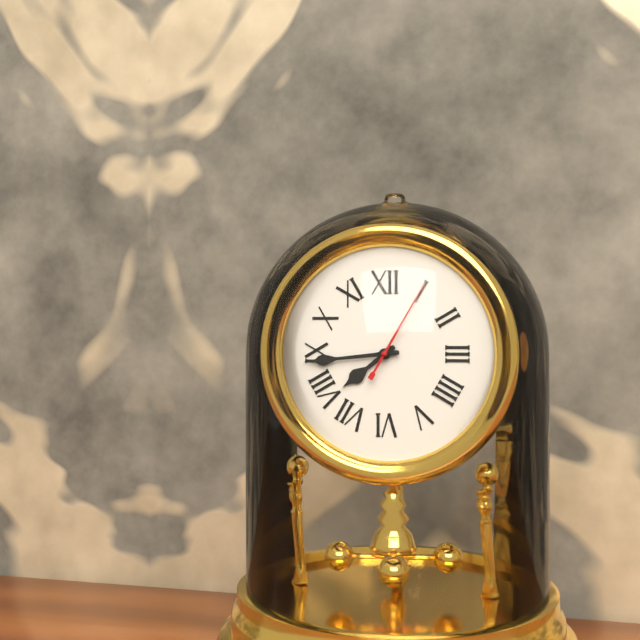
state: 7:44:05
